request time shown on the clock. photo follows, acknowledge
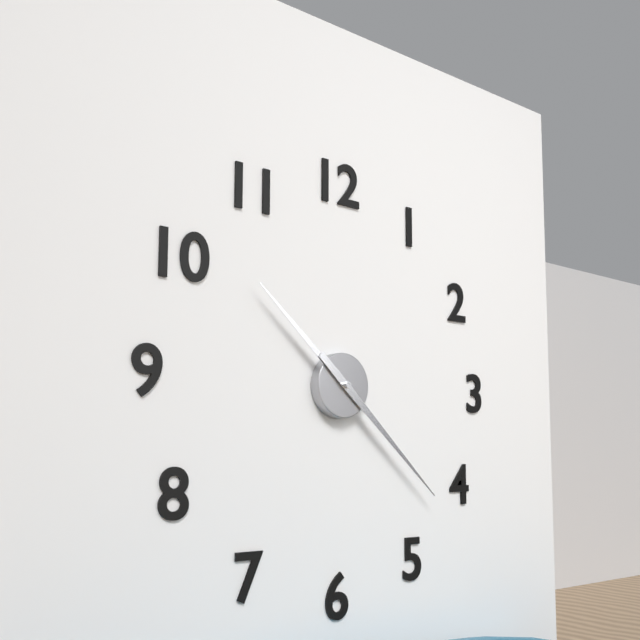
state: 10:22
